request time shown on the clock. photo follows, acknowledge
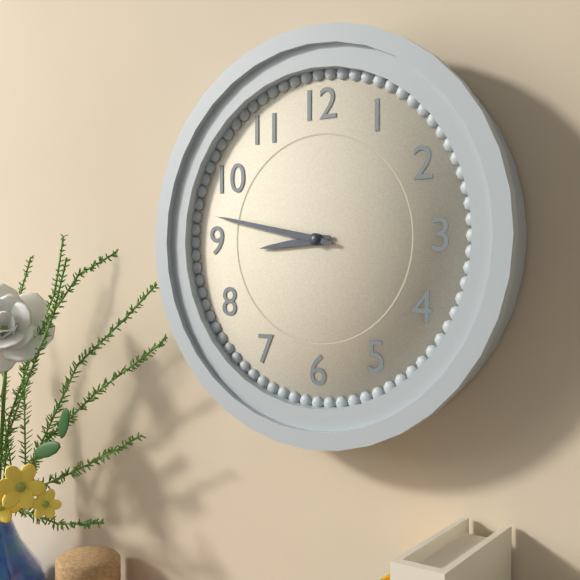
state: 8:47
